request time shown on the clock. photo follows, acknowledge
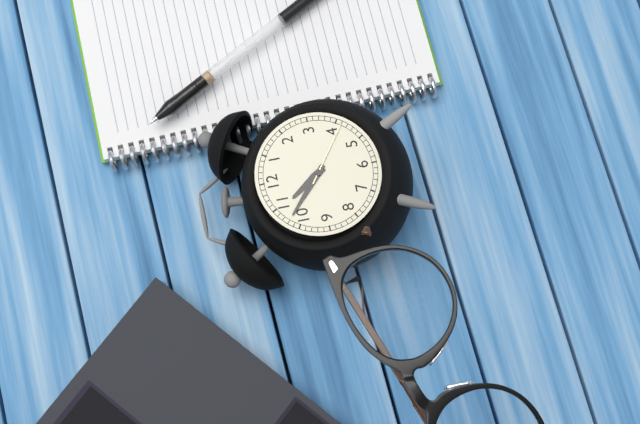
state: 10:52:21
